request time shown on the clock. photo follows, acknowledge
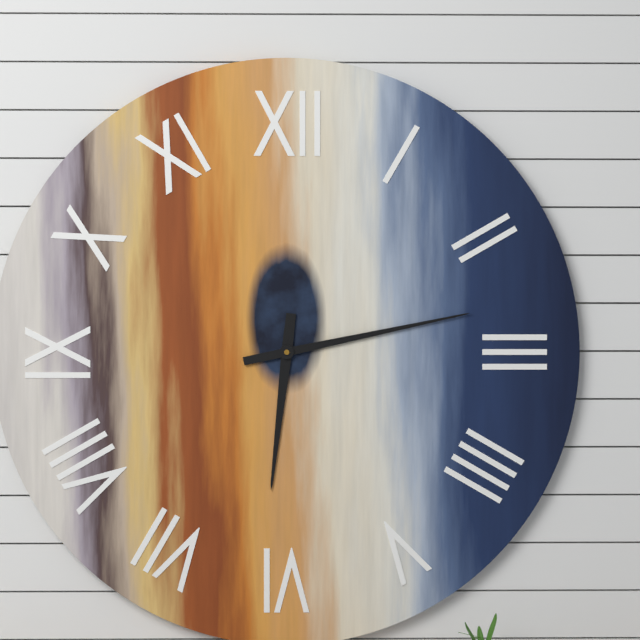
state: 6:13
